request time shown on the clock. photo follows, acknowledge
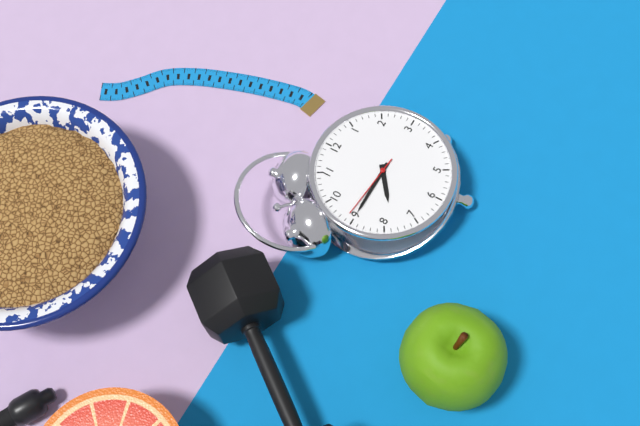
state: 7:45:46
